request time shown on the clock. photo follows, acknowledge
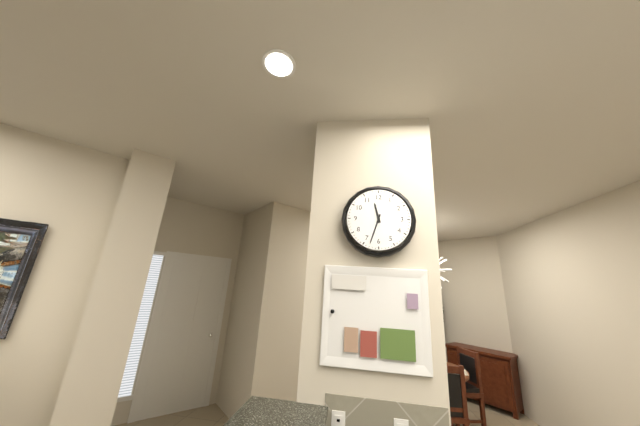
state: 11:33
